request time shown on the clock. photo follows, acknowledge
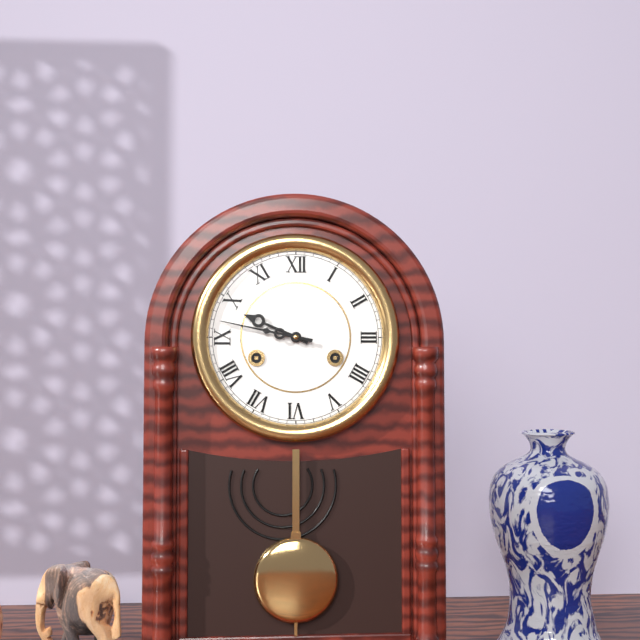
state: 9:47
